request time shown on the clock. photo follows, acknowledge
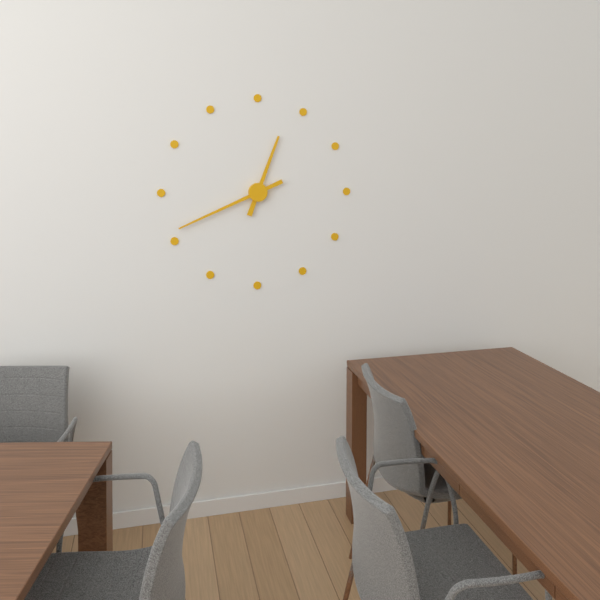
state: 12:41
